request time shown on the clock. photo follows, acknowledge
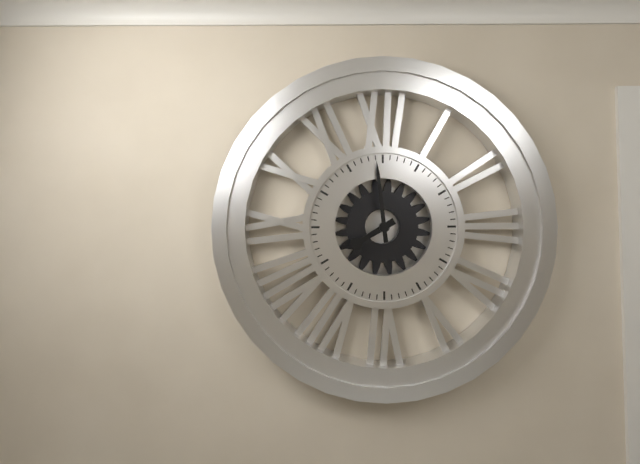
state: 7:59
